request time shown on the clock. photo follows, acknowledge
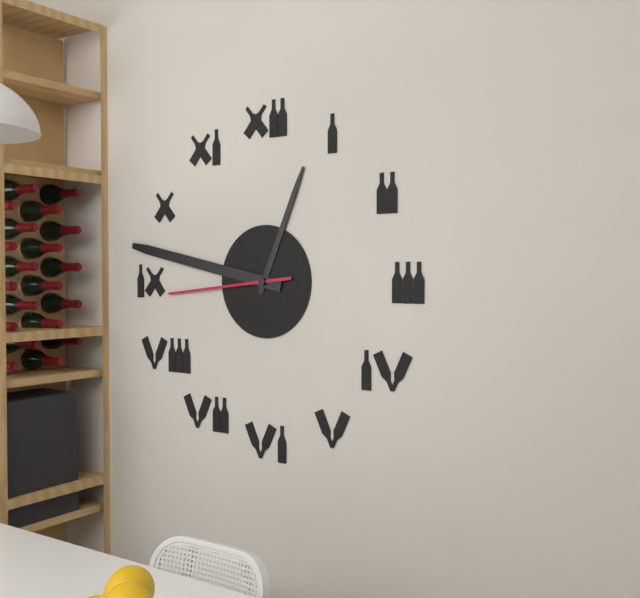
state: 12:47:44
